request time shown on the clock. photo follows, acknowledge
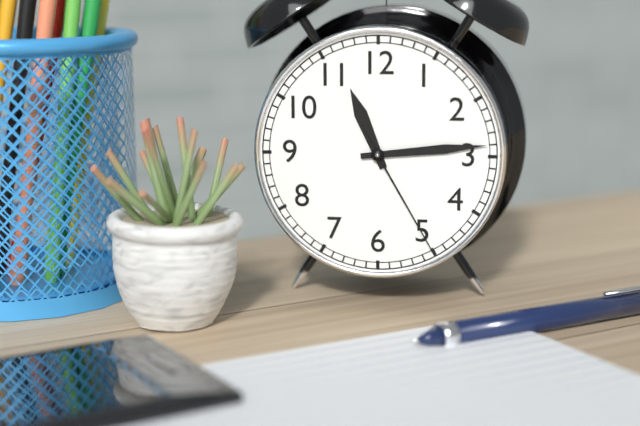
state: 11:14:25
